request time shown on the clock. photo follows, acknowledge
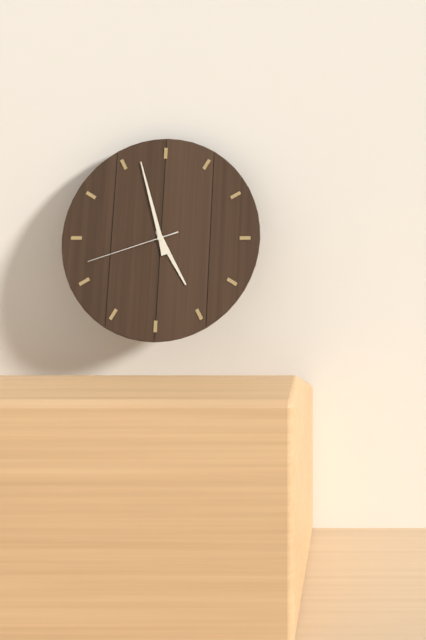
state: 4:57:42
